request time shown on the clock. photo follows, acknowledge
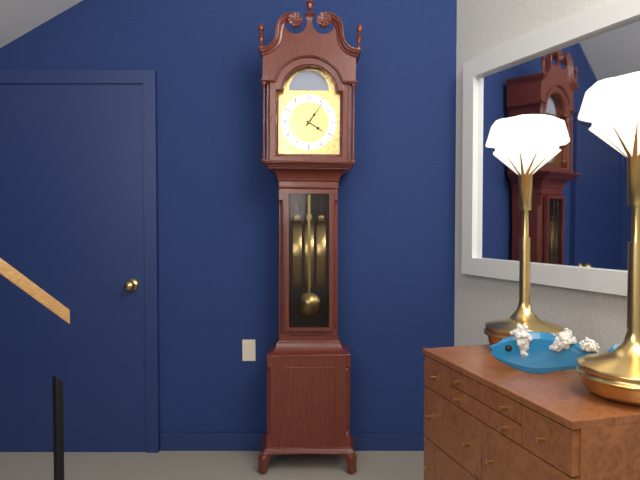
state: 4:06
